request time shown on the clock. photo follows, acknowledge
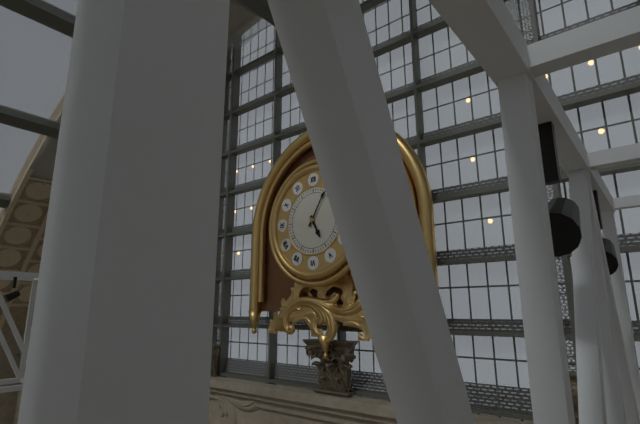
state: 5:05
